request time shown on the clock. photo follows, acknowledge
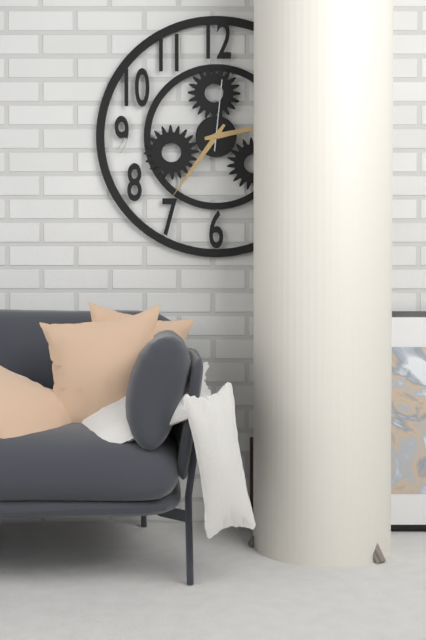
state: 2:36:01
